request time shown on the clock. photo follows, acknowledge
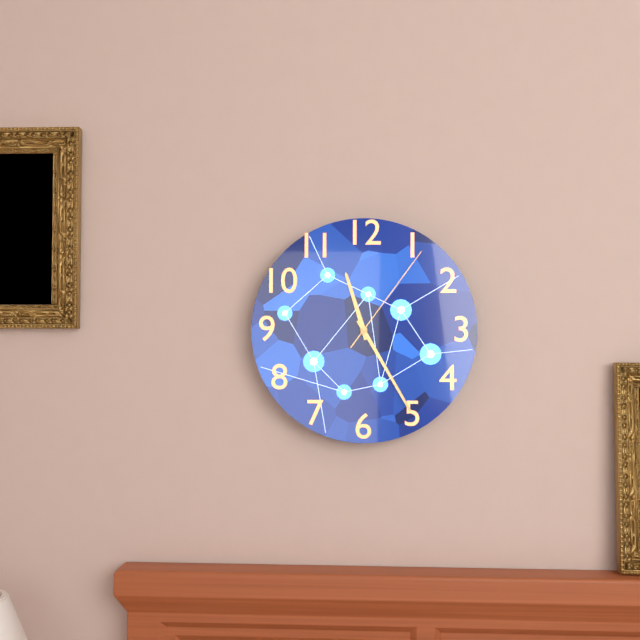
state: 11:25:06
